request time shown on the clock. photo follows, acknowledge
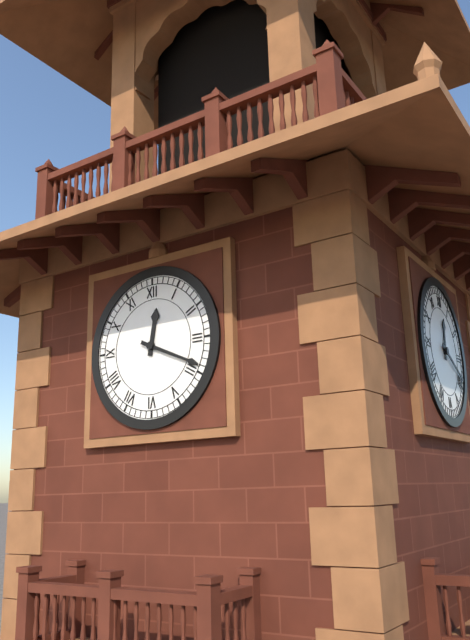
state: 12:19
